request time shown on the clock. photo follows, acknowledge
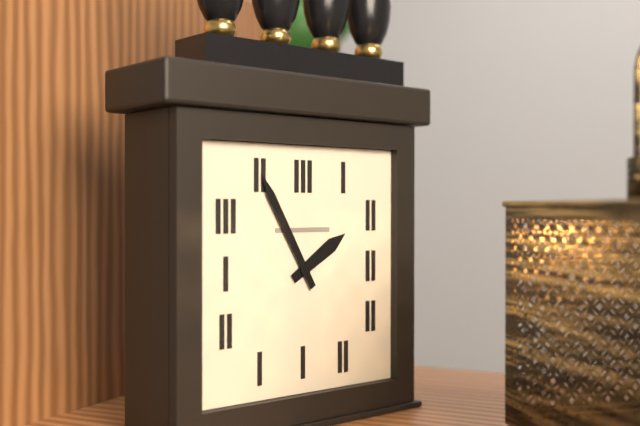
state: 1:55
